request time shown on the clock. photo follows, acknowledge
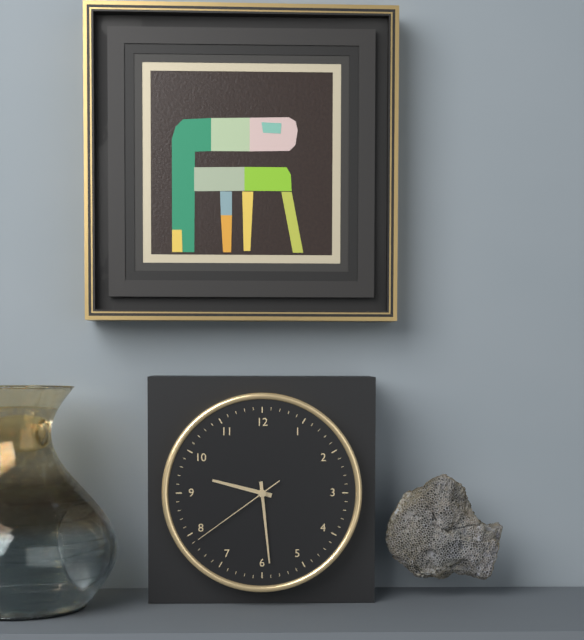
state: 9:29:39
